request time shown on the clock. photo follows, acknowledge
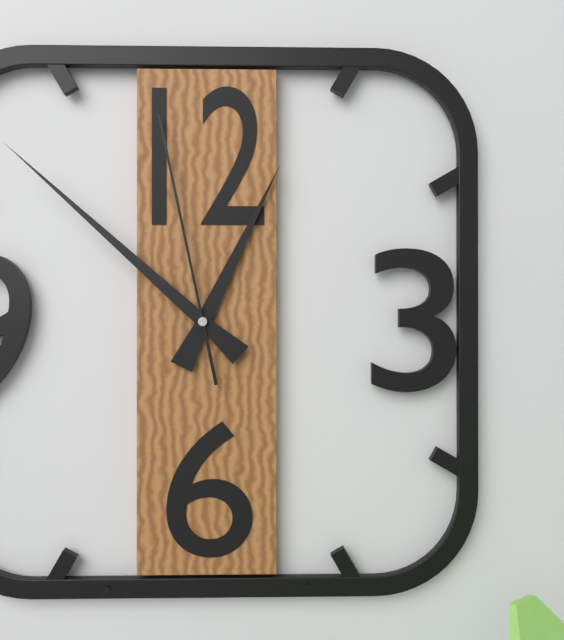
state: 12:52:58
